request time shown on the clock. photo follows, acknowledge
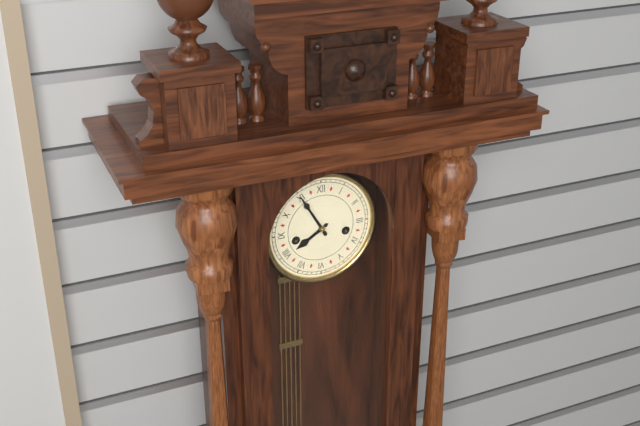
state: 7:55
